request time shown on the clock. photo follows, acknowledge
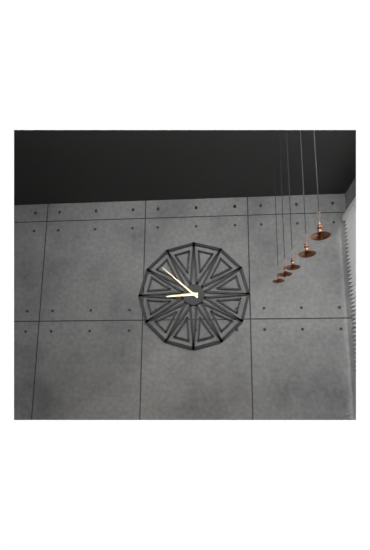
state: 8:52
